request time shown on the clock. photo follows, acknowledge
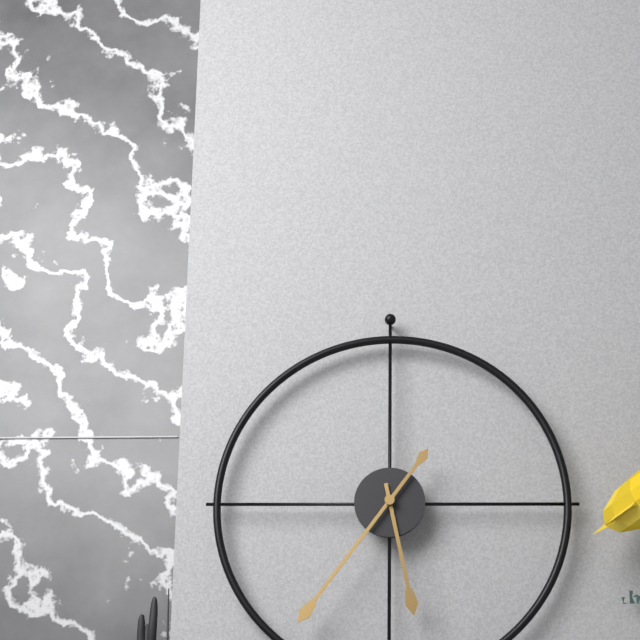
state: 5:36
